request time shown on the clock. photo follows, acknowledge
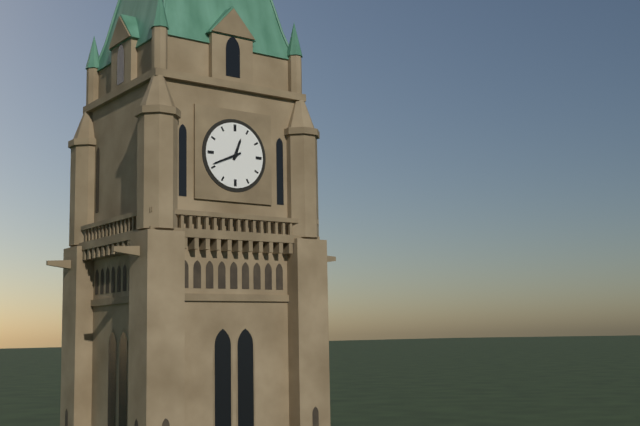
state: 12:41
